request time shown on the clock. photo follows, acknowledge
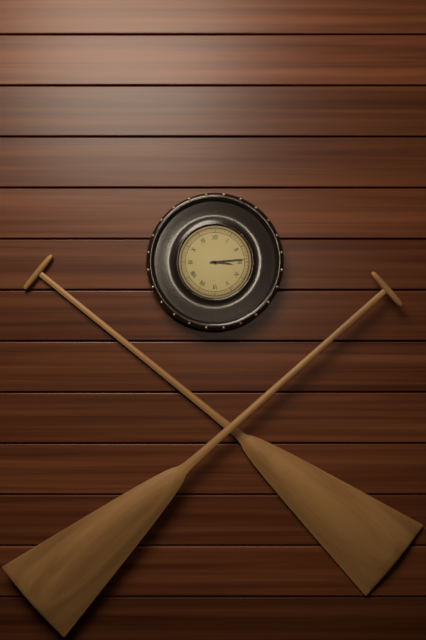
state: 3:14
